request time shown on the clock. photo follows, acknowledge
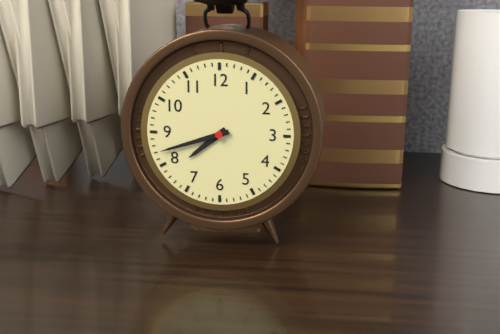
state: 7:42
